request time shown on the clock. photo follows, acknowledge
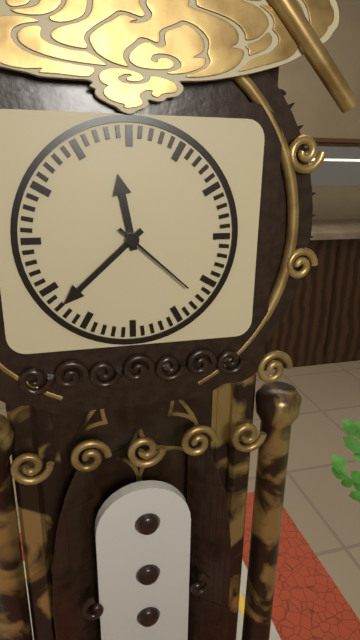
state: 11:38:22
